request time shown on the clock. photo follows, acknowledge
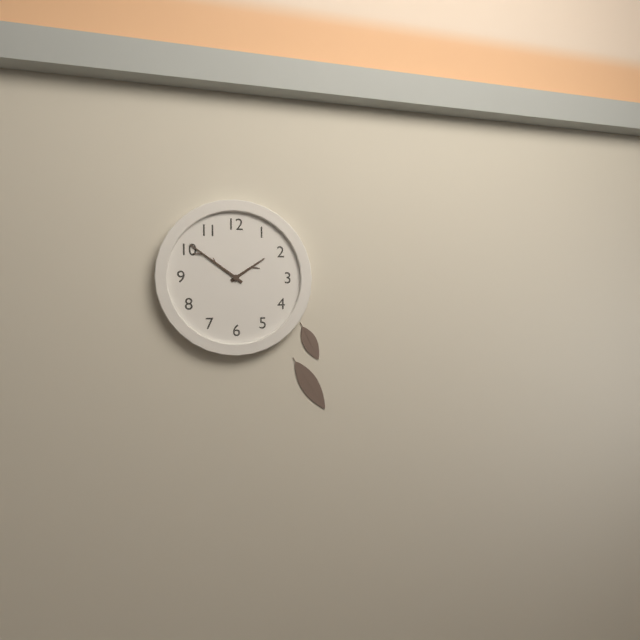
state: 1:51
